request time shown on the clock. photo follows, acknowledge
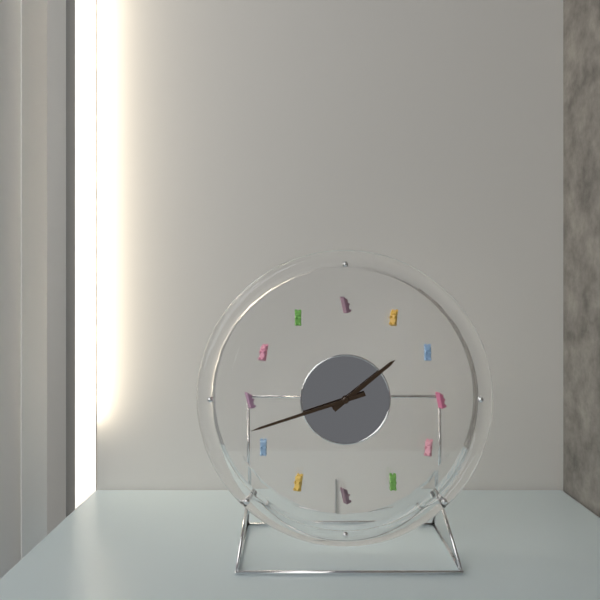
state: 1:42
